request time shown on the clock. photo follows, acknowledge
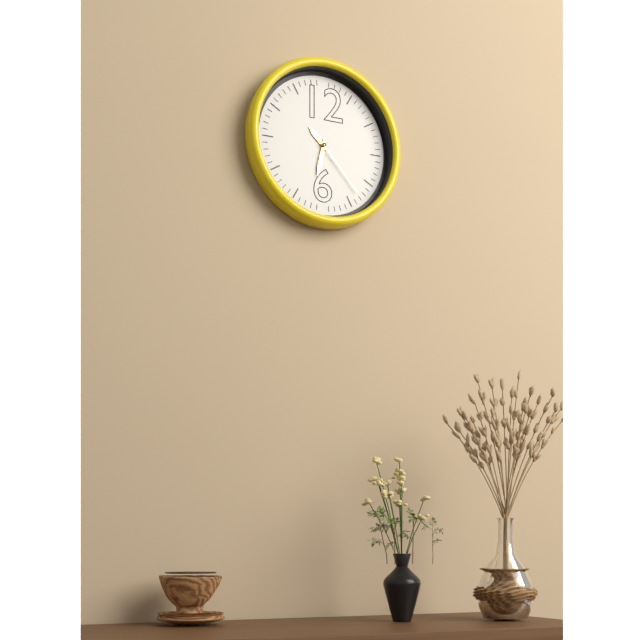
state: 10:32:23
